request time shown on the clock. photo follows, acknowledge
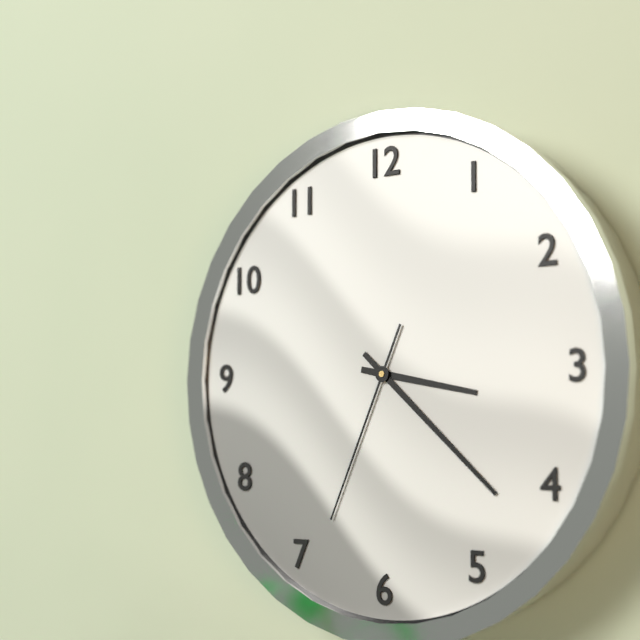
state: 3:22:34
